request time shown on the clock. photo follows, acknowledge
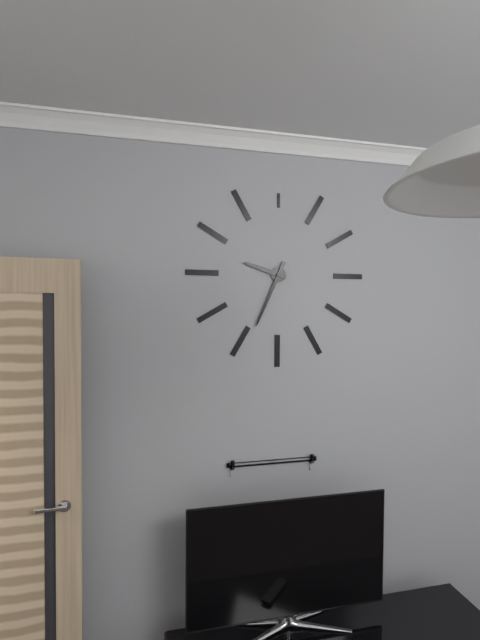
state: 9:34
